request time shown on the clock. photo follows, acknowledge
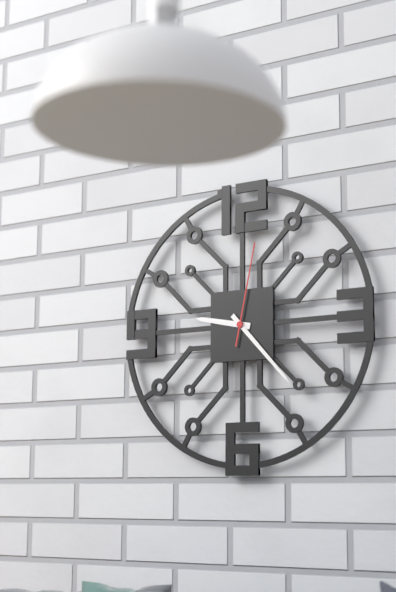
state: 9:23:02
